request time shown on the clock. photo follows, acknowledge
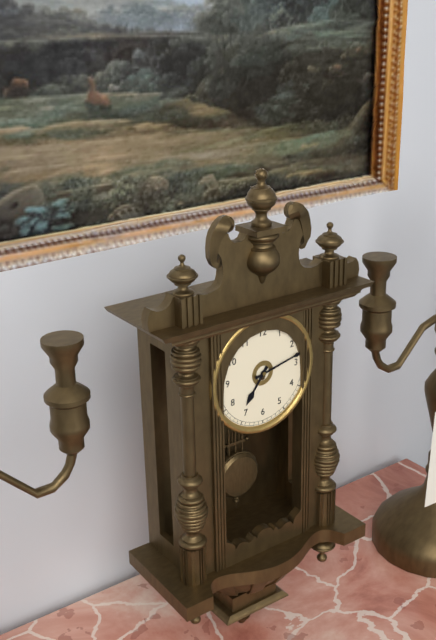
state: 7:13
